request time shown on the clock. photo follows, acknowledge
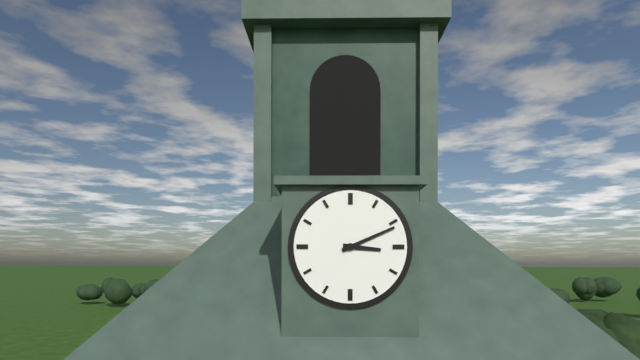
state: 3:11
